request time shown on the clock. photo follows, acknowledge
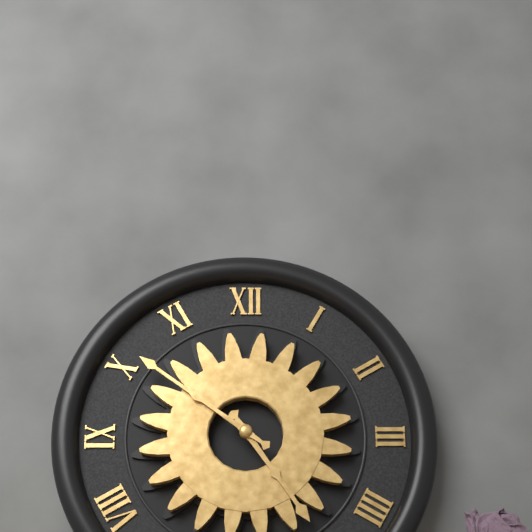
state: 4:51
